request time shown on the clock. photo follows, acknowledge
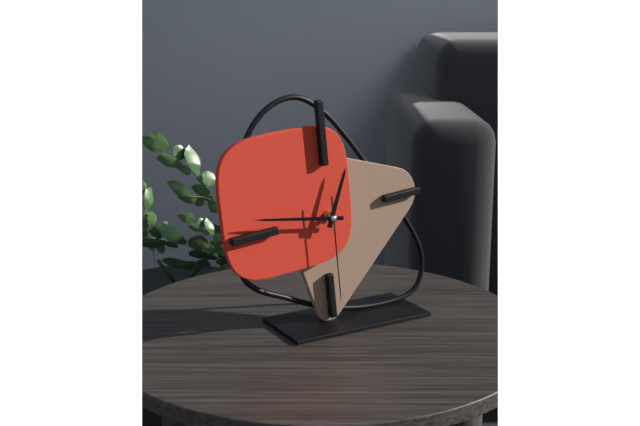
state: 12:47:30
